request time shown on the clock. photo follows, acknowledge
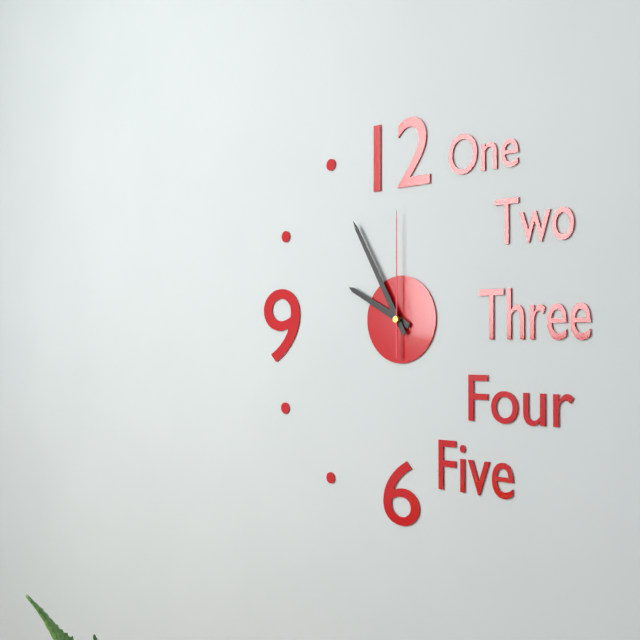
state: 9:55:00
